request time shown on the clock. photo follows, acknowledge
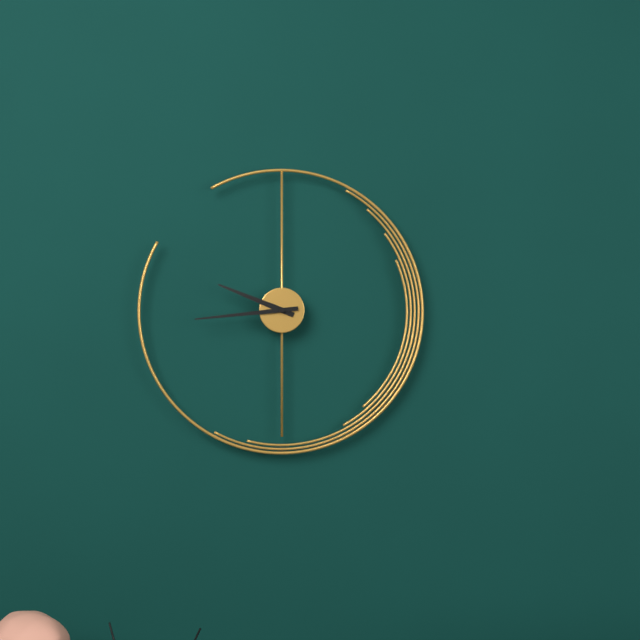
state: 9:44
